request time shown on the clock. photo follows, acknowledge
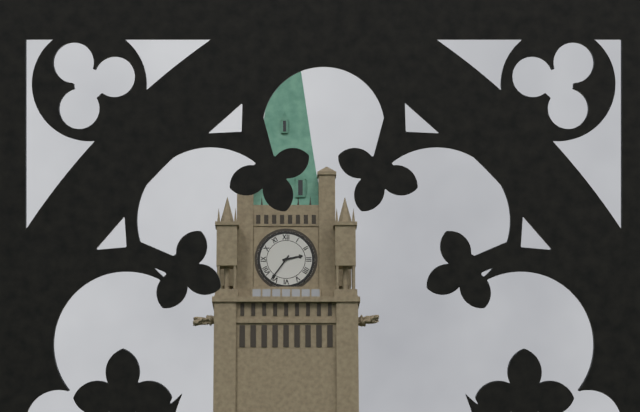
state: 2:36
